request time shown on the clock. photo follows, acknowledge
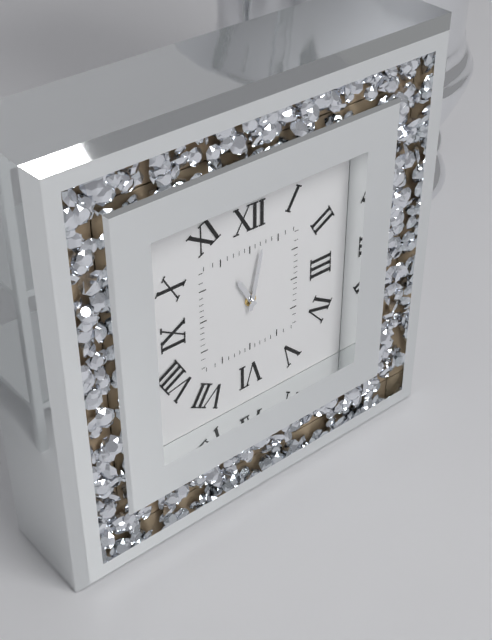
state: 11:02
